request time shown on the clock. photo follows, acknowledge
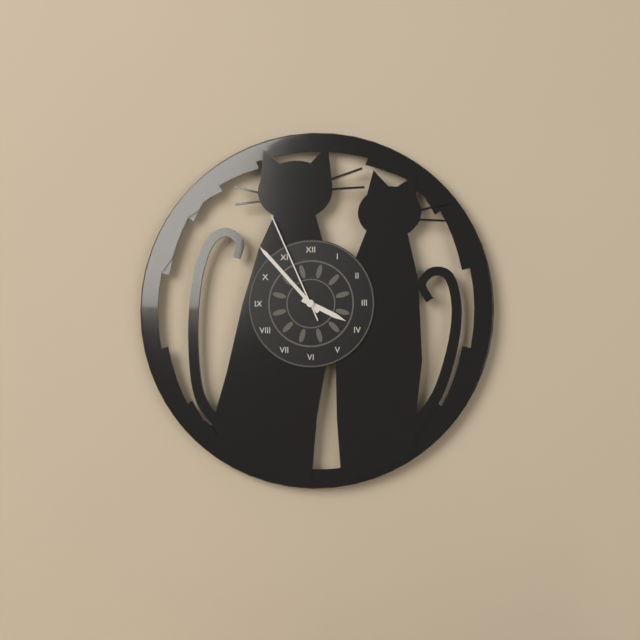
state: 3:53:56
